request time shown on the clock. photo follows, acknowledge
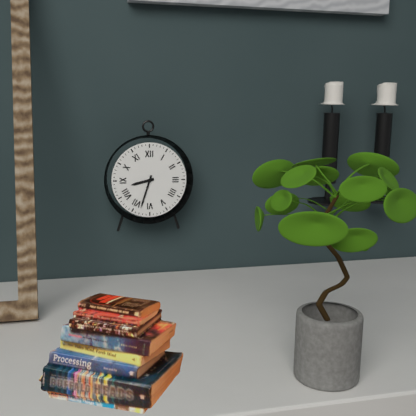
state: 8:33
